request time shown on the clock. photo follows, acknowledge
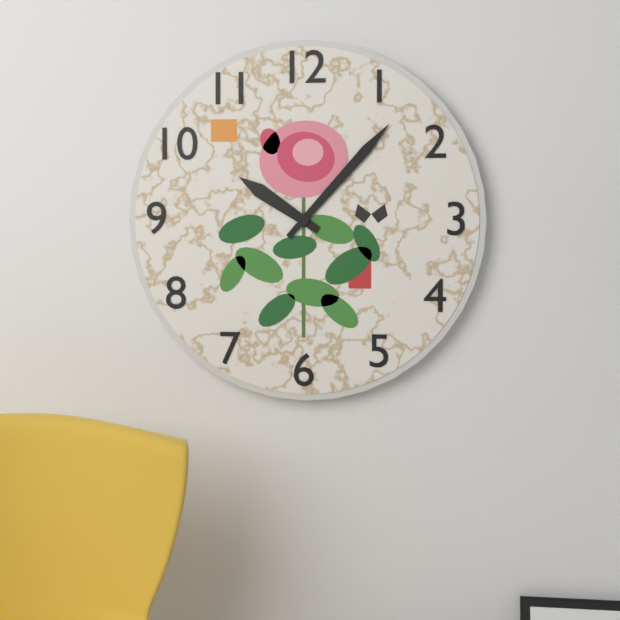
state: 10:07
